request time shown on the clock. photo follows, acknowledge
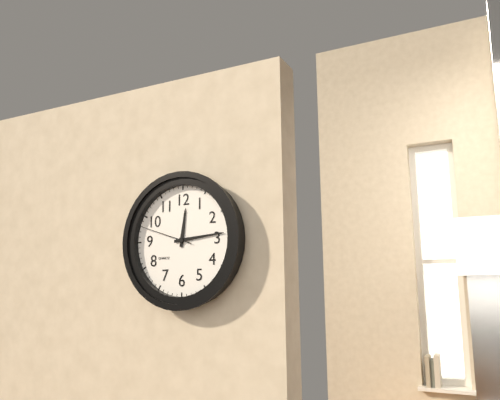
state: 12:14:48
